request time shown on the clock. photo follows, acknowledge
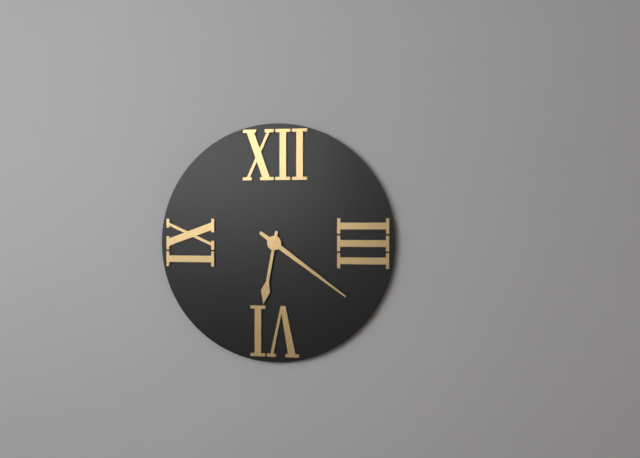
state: 6:21
